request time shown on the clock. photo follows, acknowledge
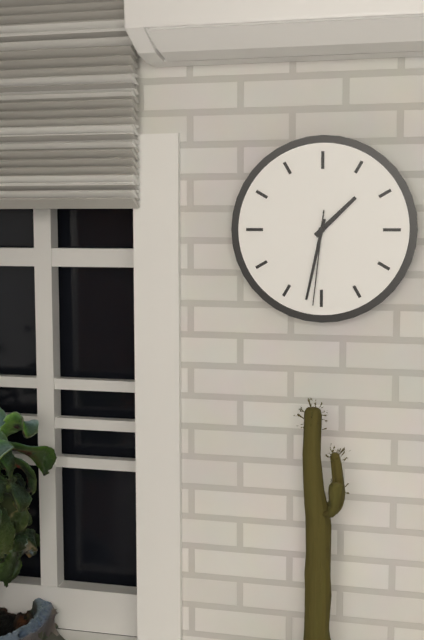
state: 1:32:31
